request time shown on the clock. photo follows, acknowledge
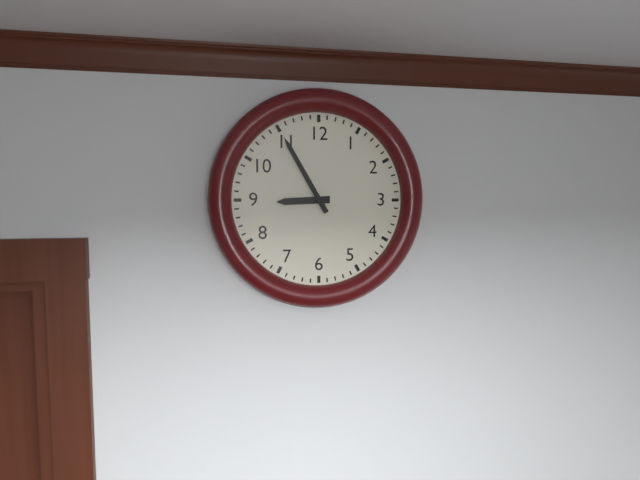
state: 8:55
